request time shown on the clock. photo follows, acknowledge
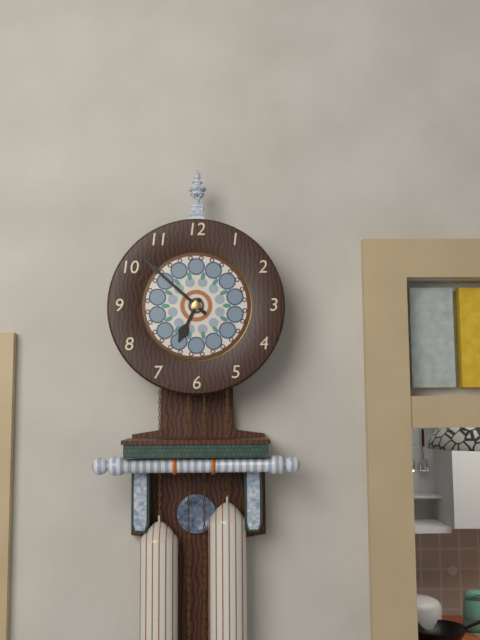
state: 6:52
